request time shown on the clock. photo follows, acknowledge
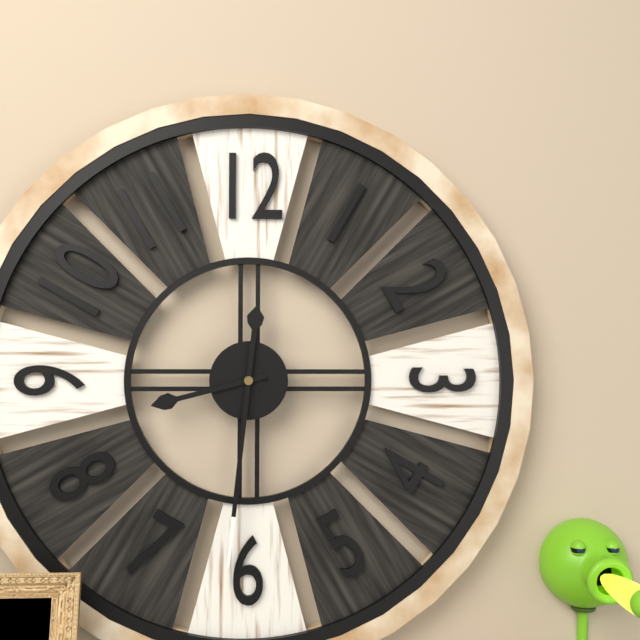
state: 8:31
